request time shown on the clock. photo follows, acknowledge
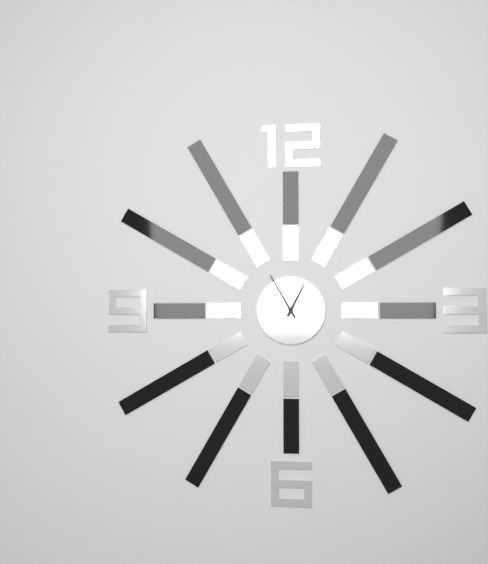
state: 12:55
